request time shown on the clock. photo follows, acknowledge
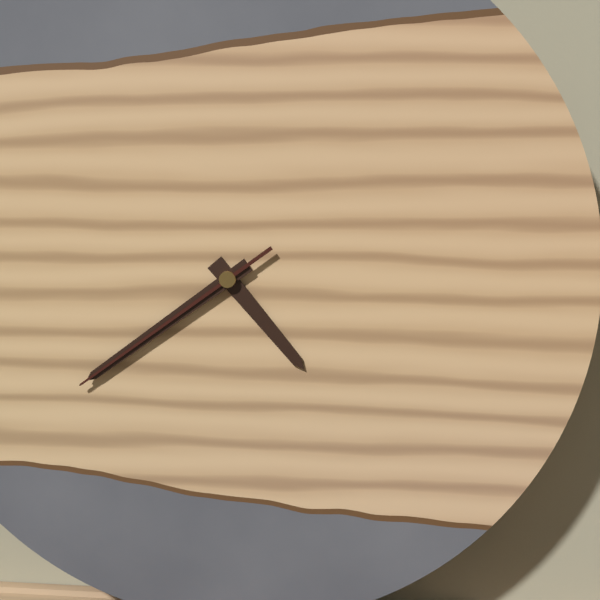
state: 4:39:39
